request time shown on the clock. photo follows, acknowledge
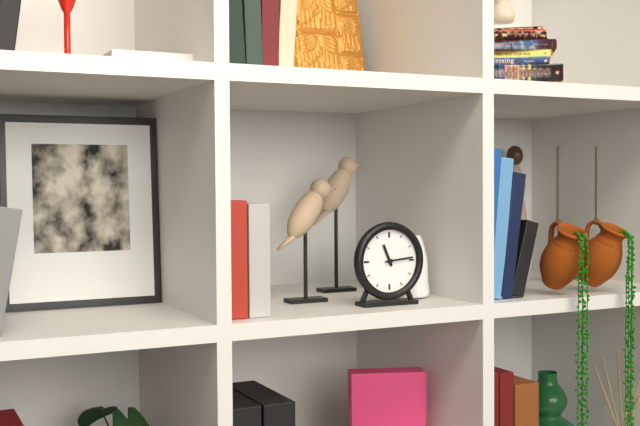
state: 11:14
